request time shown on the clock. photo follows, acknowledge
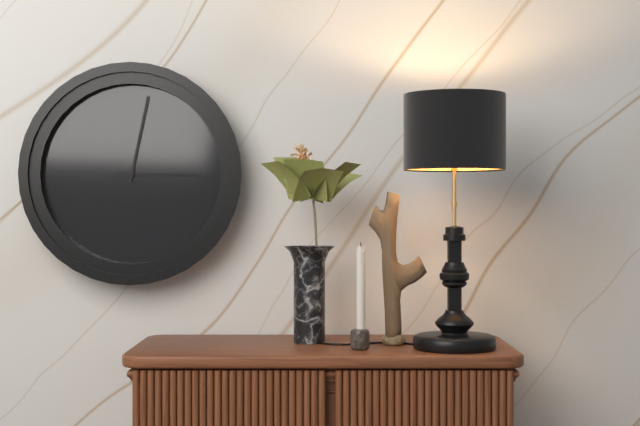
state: 3:02
